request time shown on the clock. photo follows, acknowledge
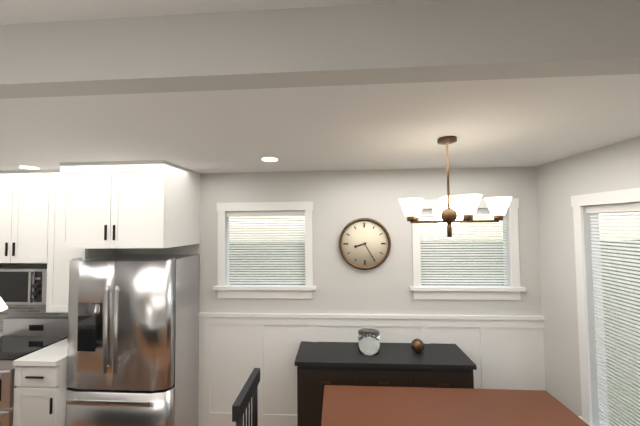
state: 8:25
